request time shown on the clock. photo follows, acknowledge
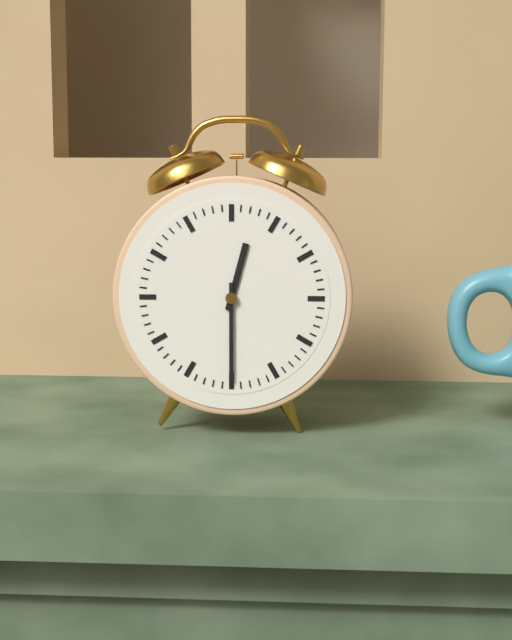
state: 12:30
